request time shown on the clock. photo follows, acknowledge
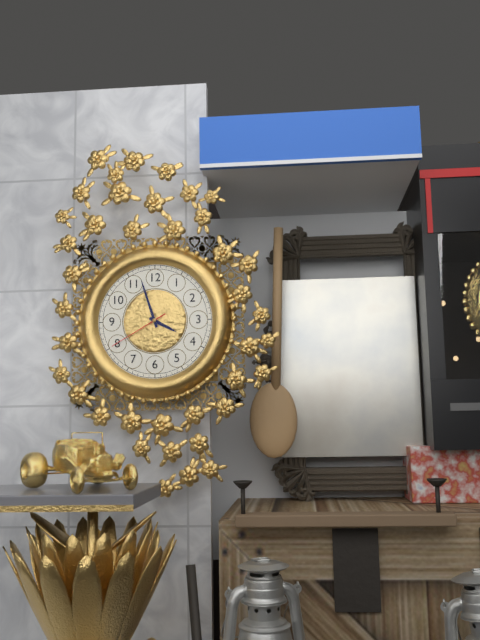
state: 3:57:40
